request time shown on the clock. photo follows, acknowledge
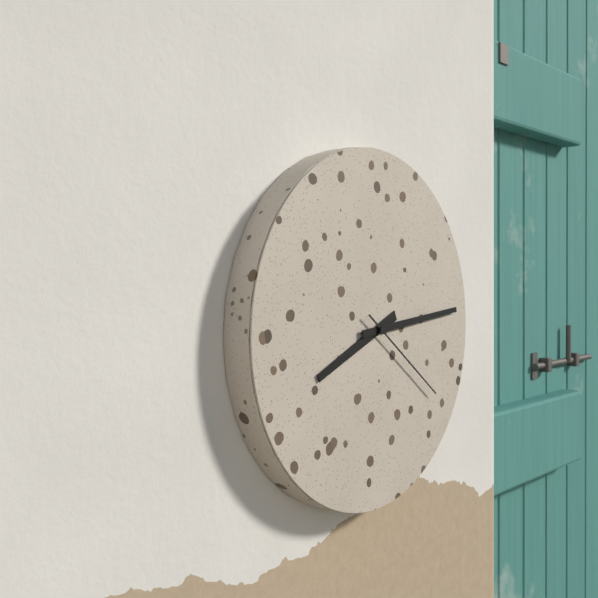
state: 8:14:21
